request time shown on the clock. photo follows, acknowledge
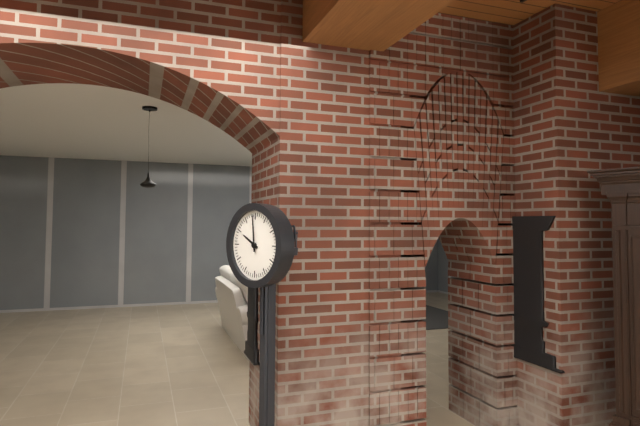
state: 9:59
